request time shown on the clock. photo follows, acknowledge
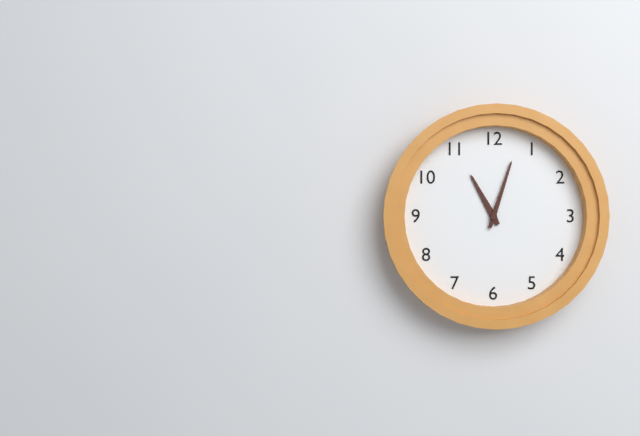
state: 11:03
